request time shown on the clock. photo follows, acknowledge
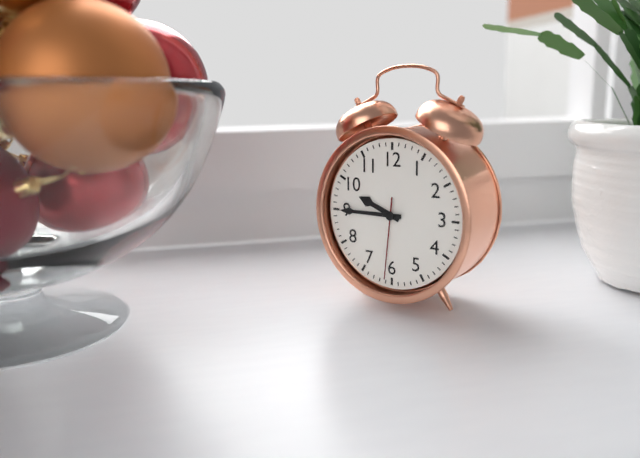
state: 9:45:31
